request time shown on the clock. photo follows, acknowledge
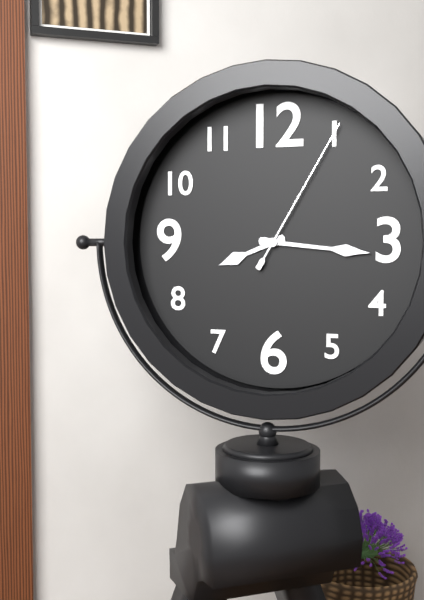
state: 8:16:05
